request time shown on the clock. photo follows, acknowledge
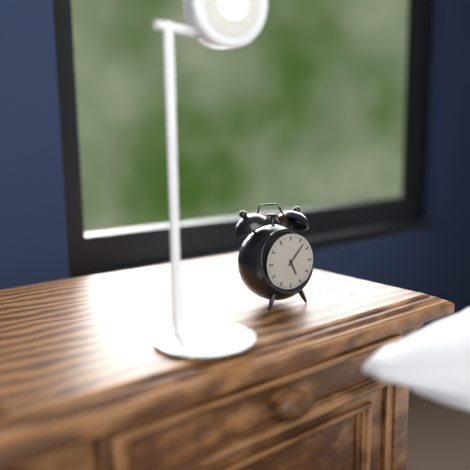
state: 5:07
